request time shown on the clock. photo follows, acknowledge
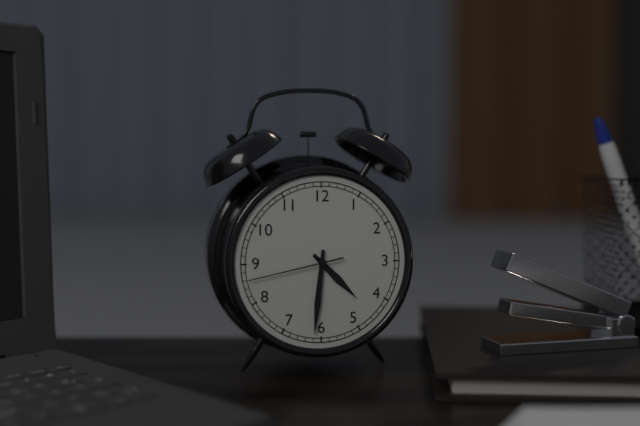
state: 4:31:43
